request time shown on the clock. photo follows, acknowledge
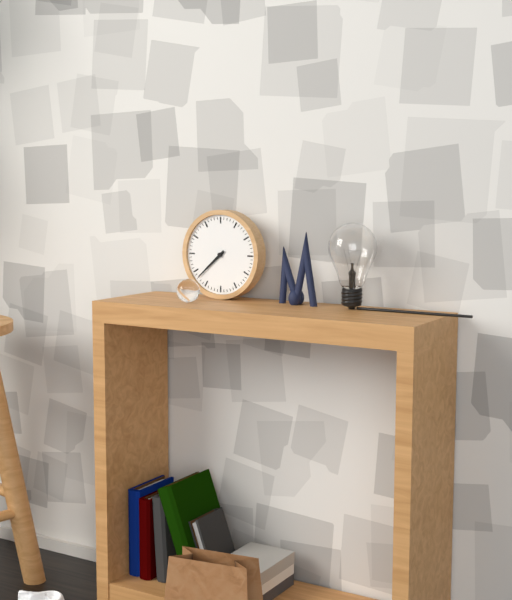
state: 7:38
